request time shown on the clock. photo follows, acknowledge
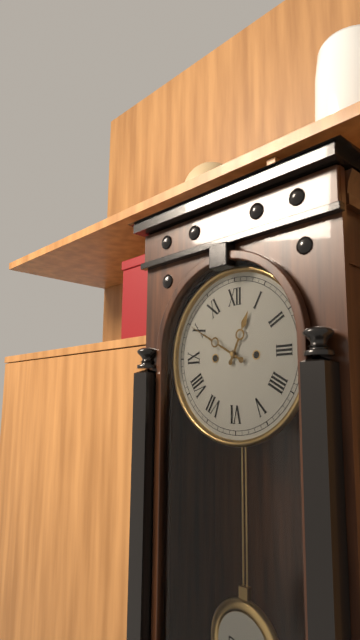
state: 12:50
